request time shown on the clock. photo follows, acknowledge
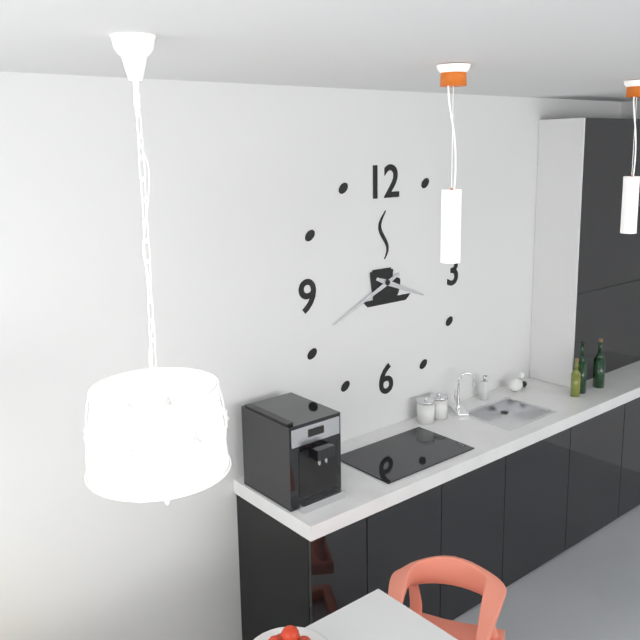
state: 3:41
